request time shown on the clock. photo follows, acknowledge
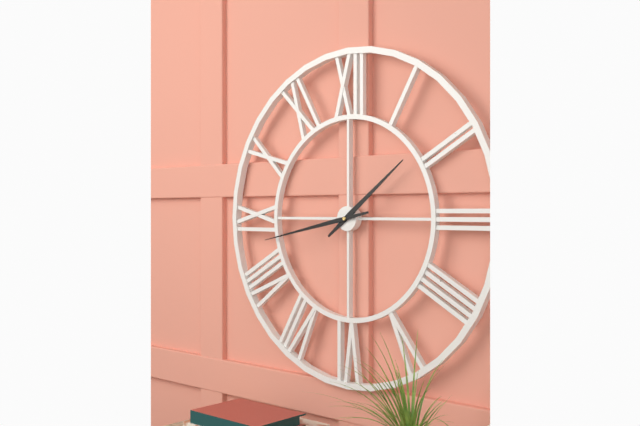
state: 1:43
